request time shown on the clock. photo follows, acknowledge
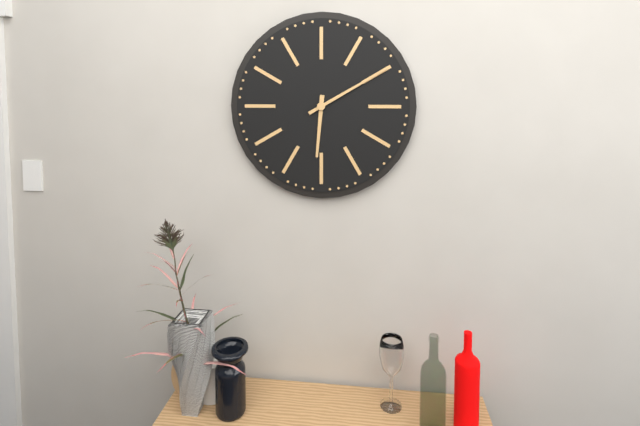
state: 6:10
